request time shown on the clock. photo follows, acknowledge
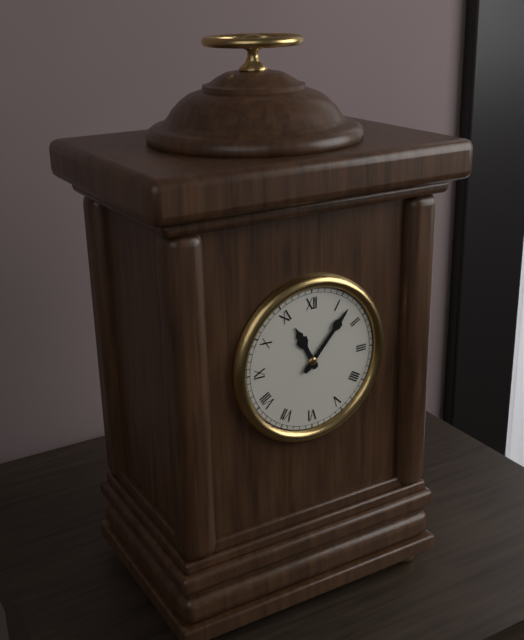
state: 11:07
